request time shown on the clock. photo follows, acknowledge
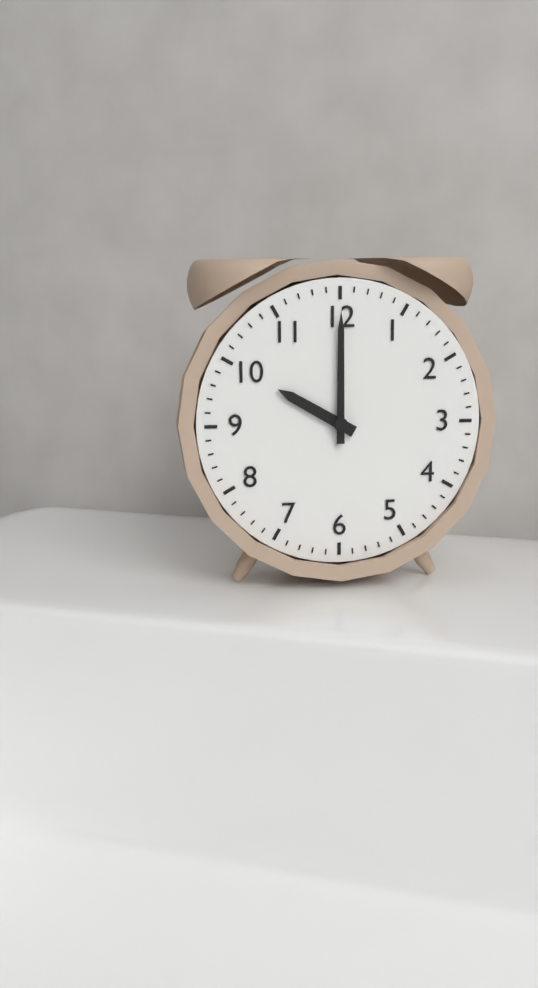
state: 10:00
